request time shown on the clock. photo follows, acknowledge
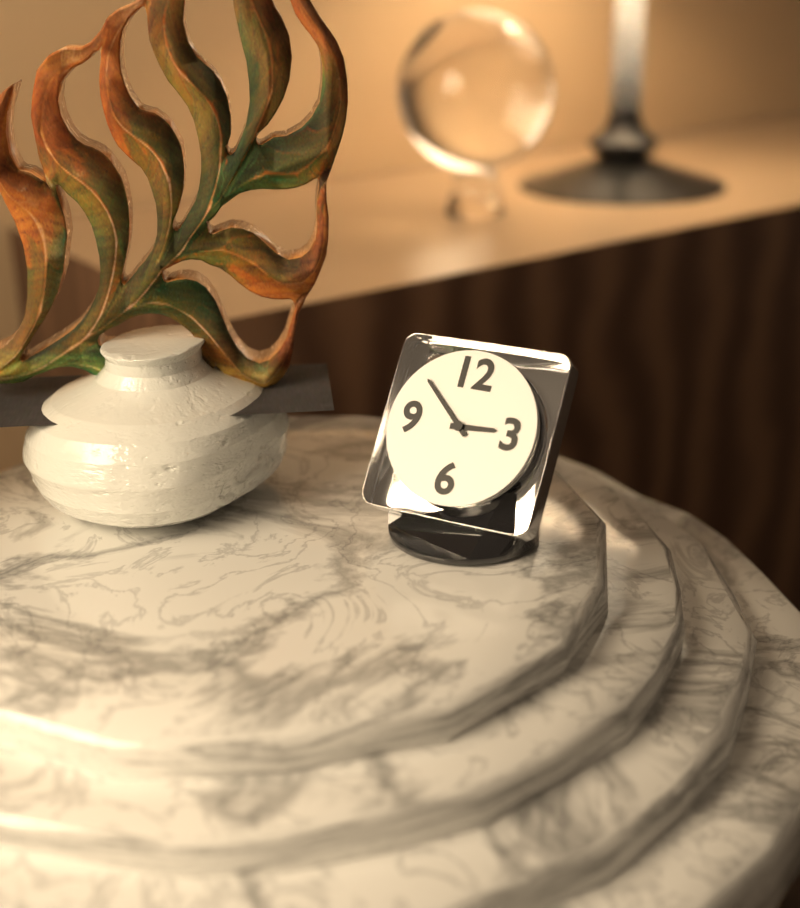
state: 2:52
